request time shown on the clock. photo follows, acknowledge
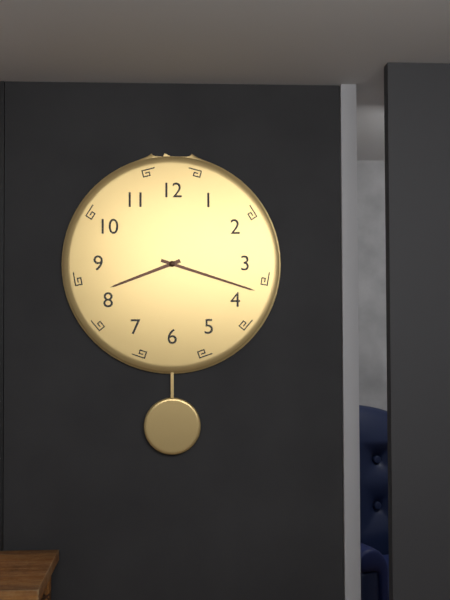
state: 8:18
